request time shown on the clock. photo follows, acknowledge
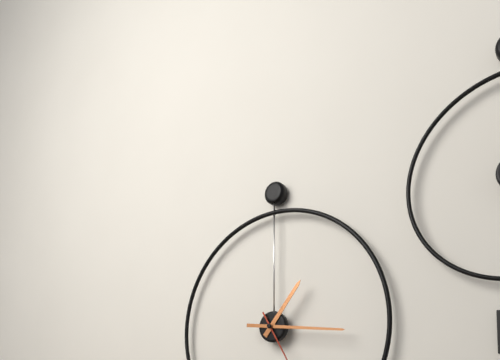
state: 1:16
